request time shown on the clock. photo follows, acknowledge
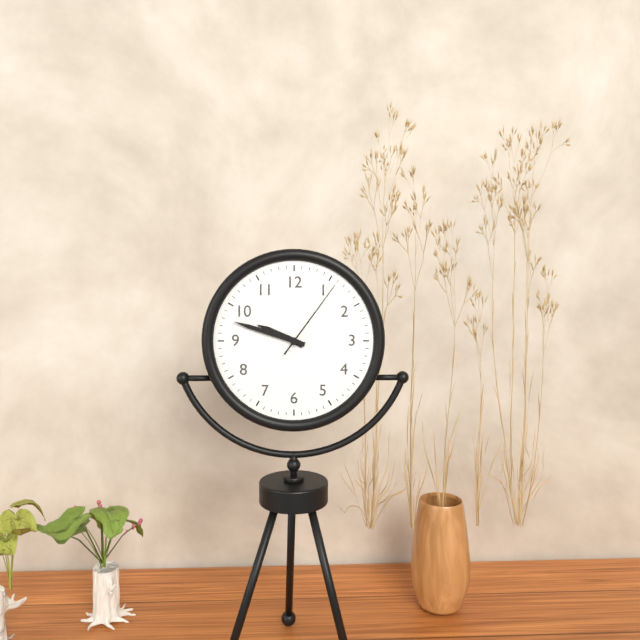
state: 9:48:06
